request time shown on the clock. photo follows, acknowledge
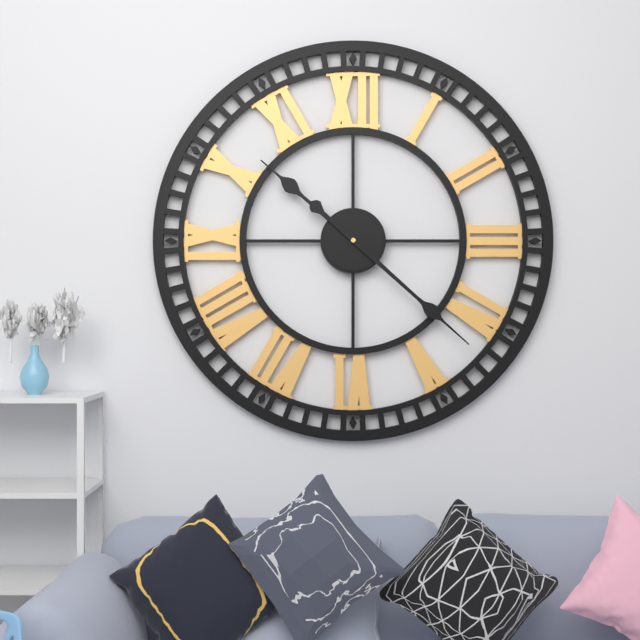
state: 10:22
